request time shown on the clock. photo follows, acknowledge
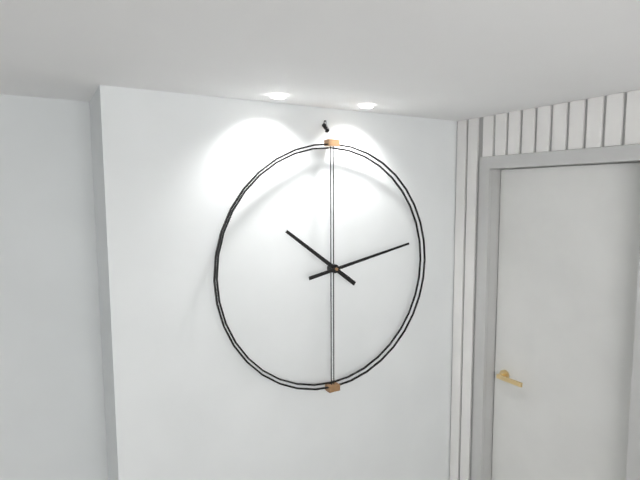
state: 10:13
